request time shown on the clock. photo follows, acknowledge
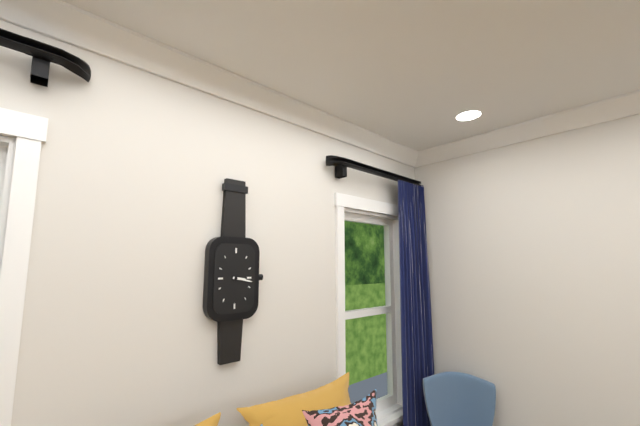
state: 3:17
